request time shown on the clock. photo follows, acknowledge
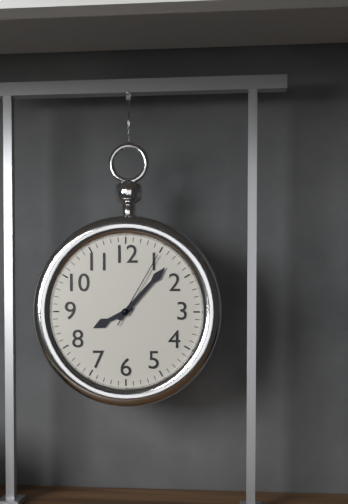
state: 8:07:05
